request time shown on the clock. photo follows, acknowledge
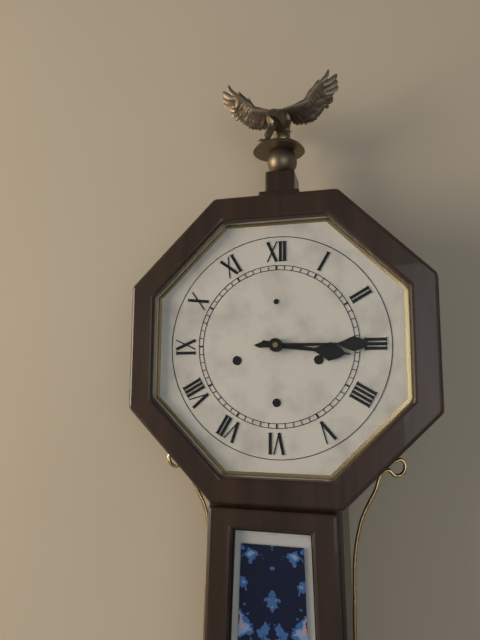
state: 3:15
